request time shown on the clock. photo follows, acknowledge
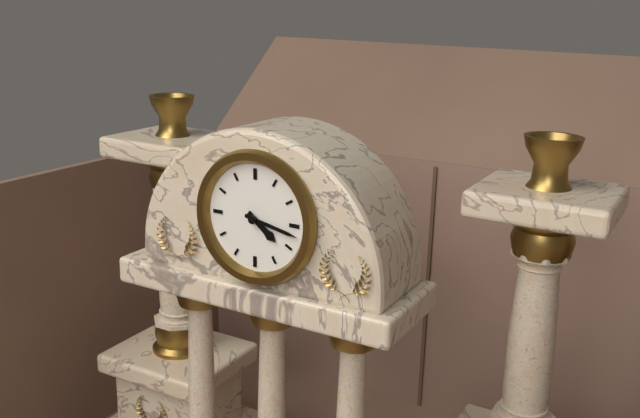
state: 4:17
